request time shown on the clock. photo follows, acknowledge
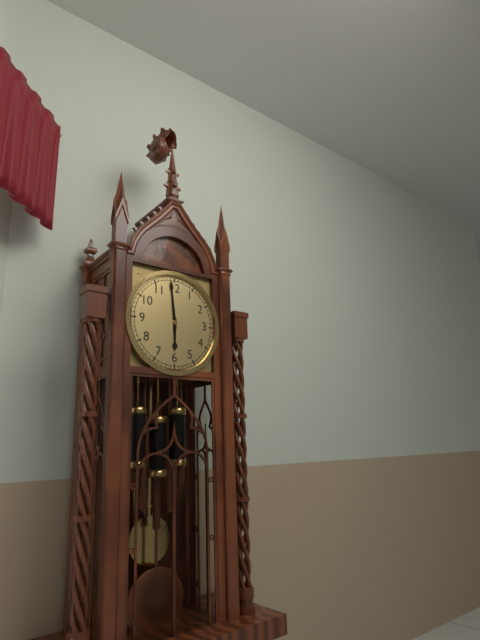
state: 5:59
